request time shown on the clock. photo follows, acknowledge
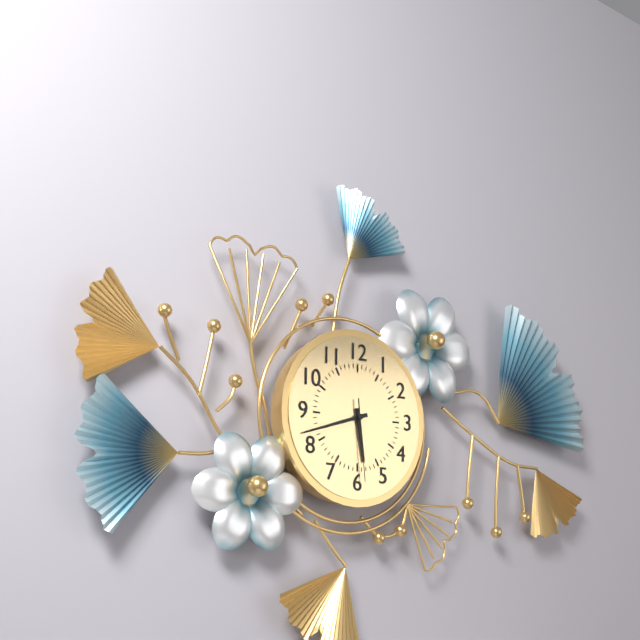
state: 5:42:29
